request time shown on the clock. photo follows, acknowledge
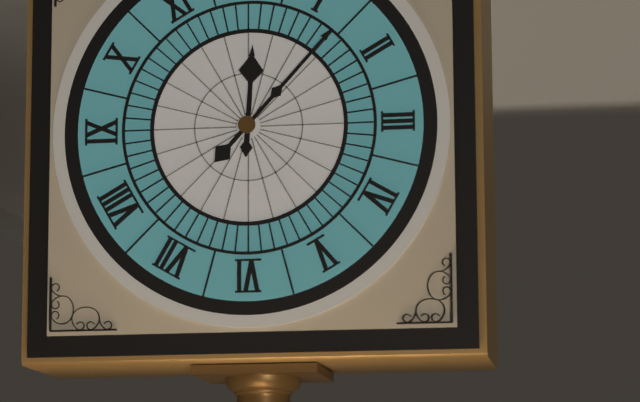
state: 12:07
